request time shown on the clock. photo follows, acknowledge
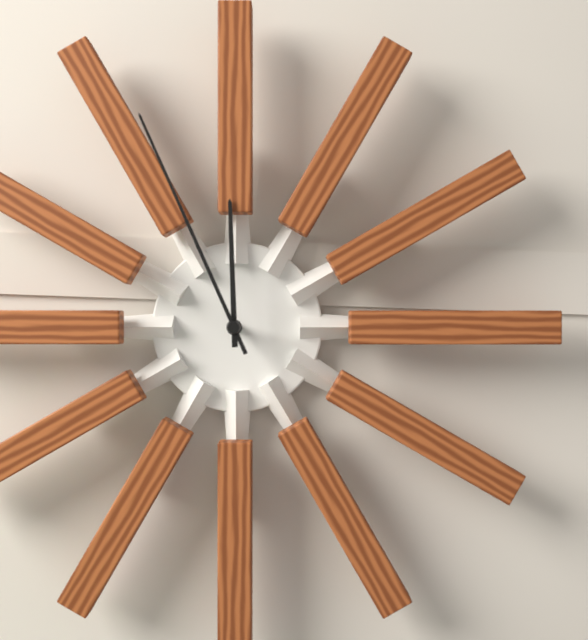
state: 11:56
